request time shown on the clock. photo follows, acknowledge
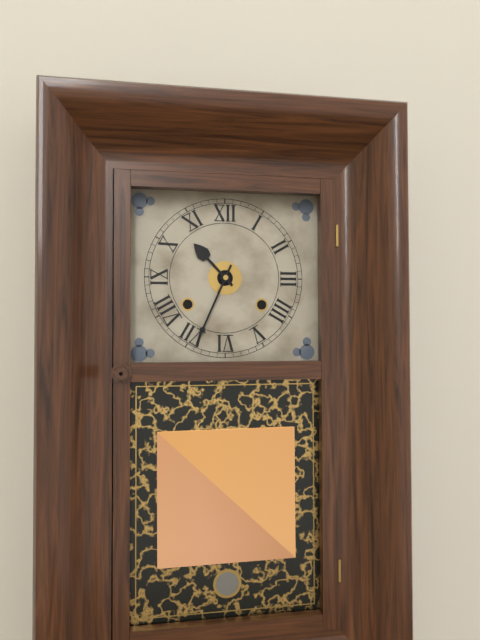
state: 10:34
